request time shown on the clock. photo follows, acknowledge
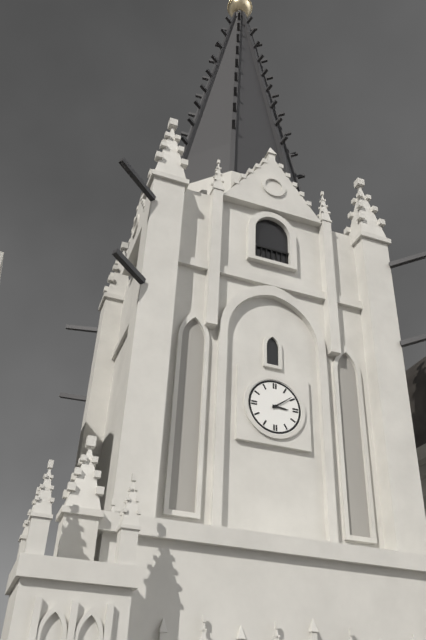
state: 3:09
